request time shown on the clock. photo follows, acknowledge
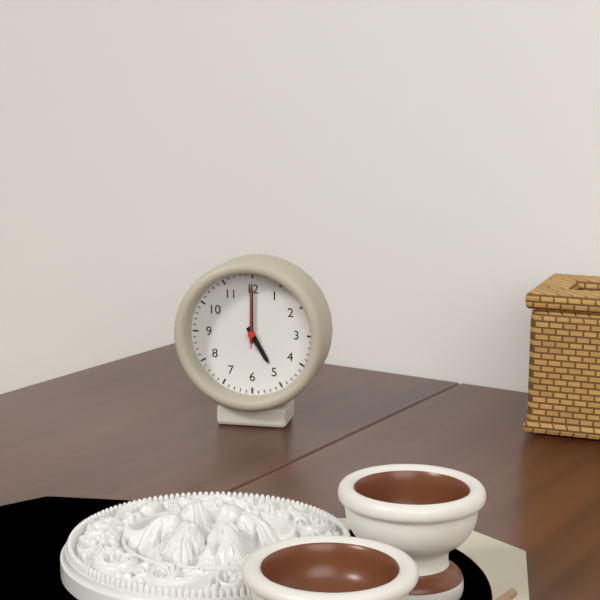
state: 5:00:00
